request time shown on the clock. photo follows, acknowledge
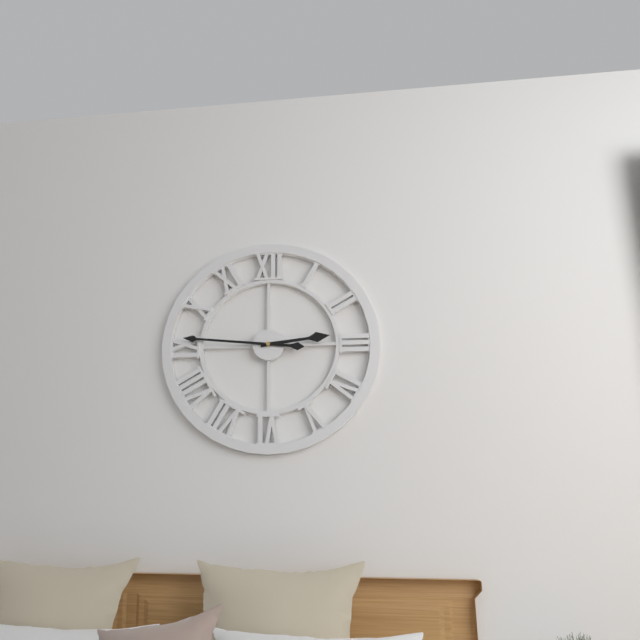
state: 2:46
